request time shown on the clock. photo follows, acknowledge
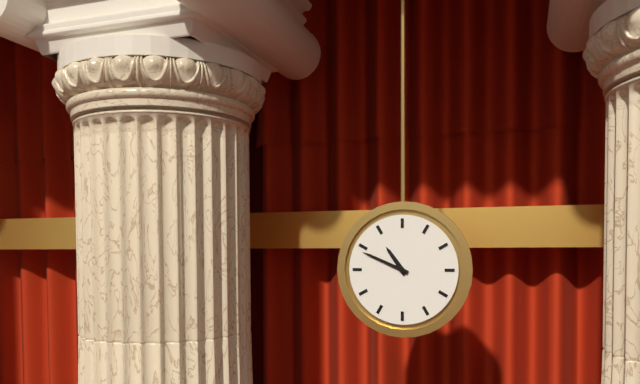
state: 10:49
